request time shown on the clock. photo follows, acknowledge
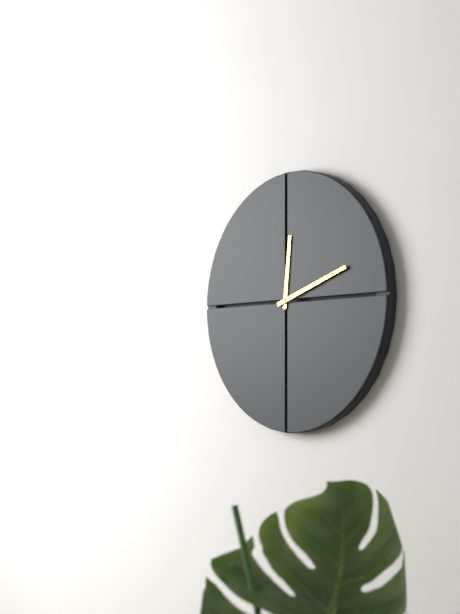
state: 12:12
